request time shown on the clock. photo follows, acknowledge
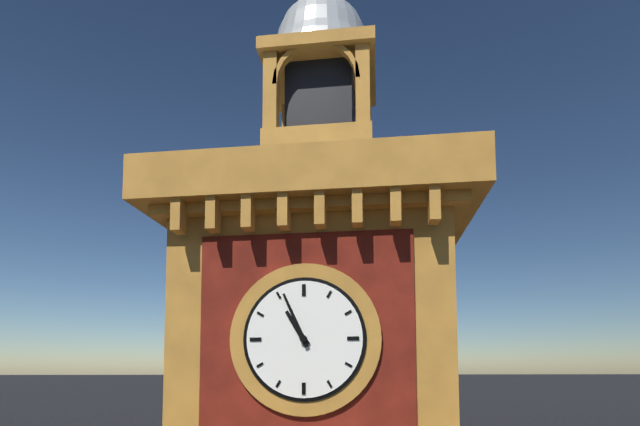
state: 10:56
